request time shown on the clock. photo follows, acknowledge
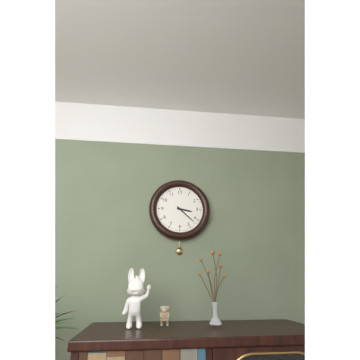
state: 3:22
